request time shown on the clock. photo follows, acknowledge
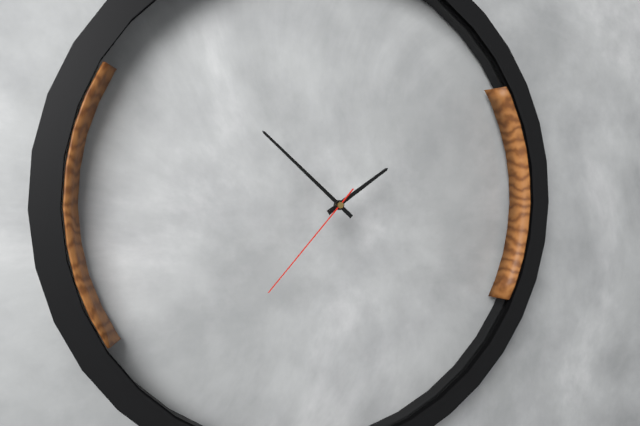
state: 1:52:37
